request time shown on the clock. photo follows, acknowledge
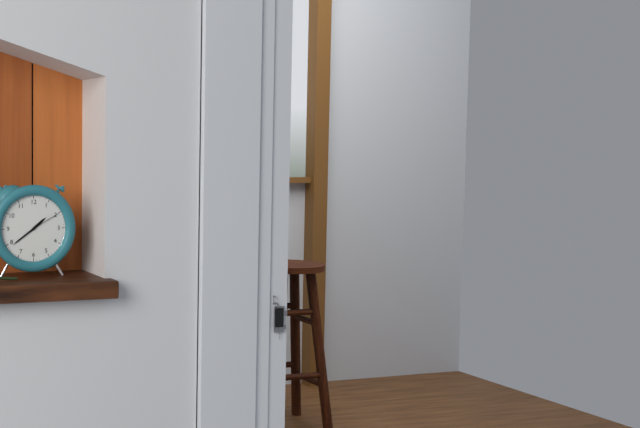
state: 1:39
